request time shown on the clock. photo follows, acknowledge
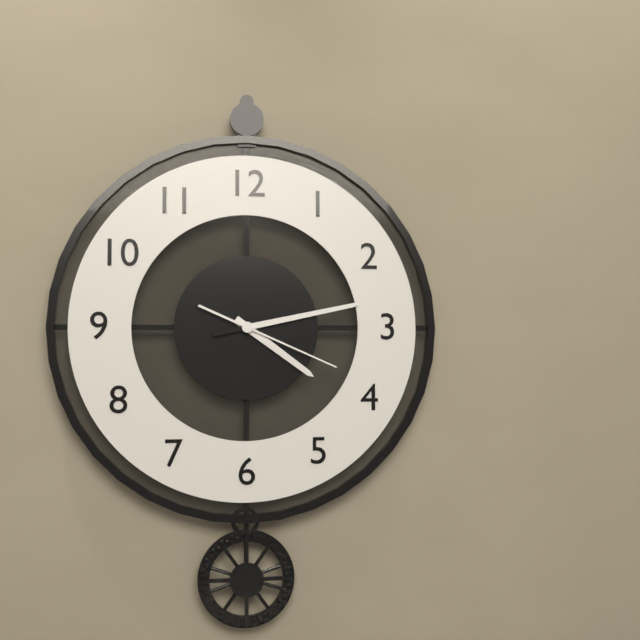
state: 4:13:19
